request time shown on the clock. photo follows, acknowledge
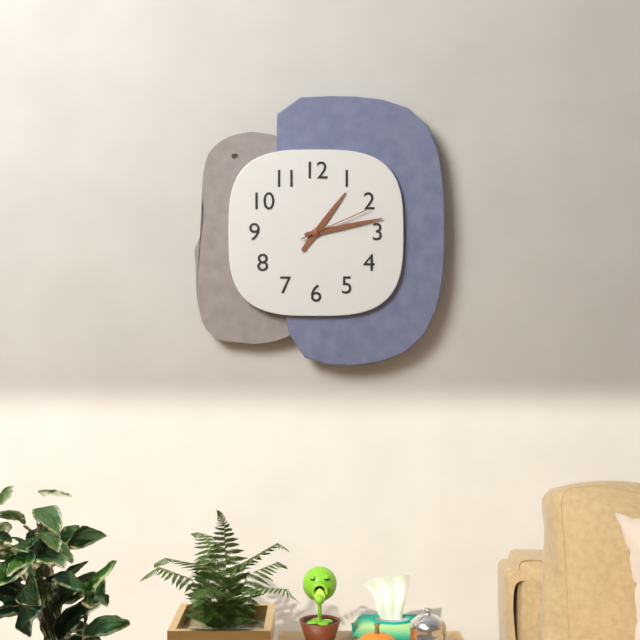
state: 1:13:11
